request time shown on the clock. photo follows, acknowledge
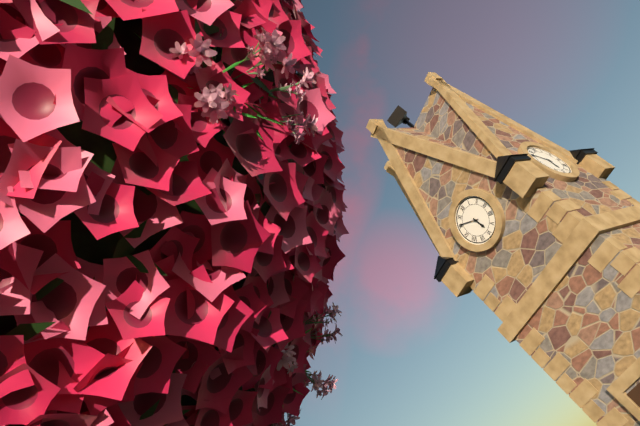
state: 5:51
